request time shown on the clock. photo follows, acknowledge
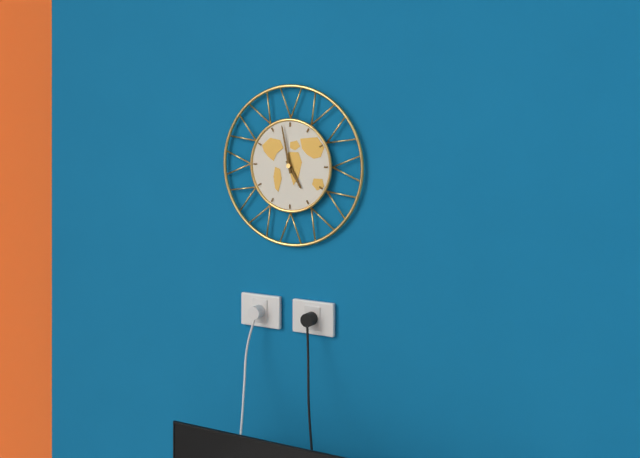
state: 4:58
